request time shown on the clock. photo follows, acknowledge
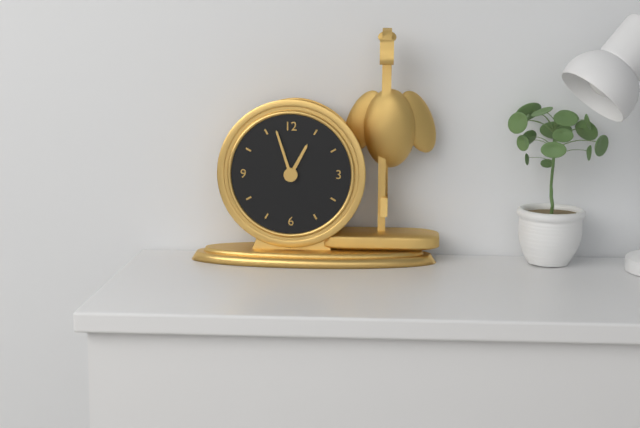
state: 12:57
